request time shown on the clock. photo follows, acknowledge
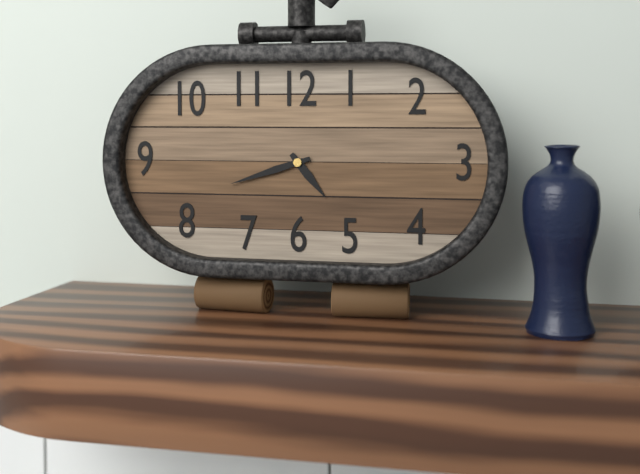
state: 4:42
